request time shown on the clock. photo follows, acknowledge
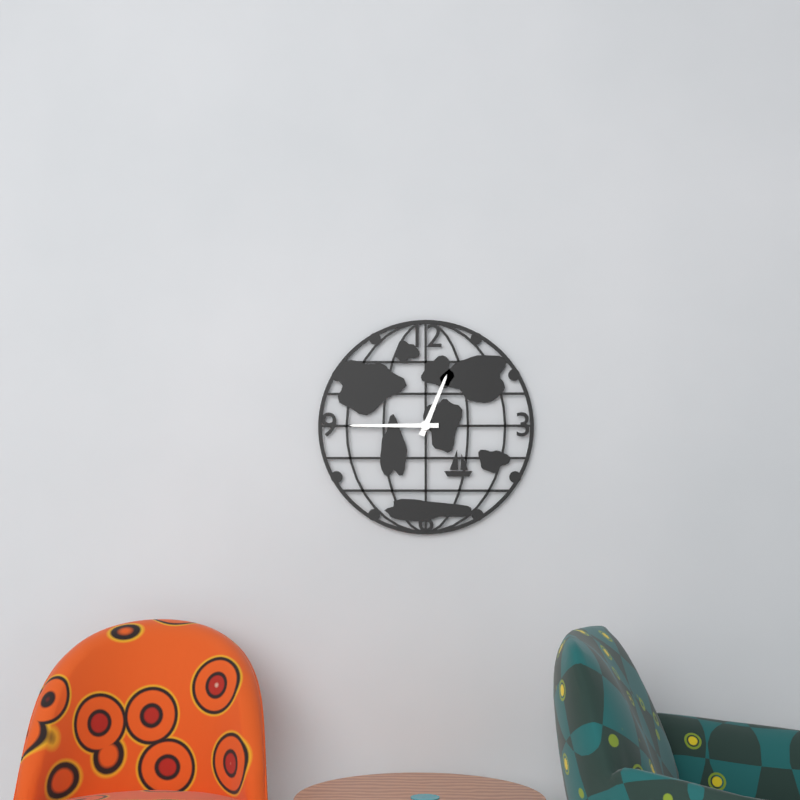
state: 12:45
